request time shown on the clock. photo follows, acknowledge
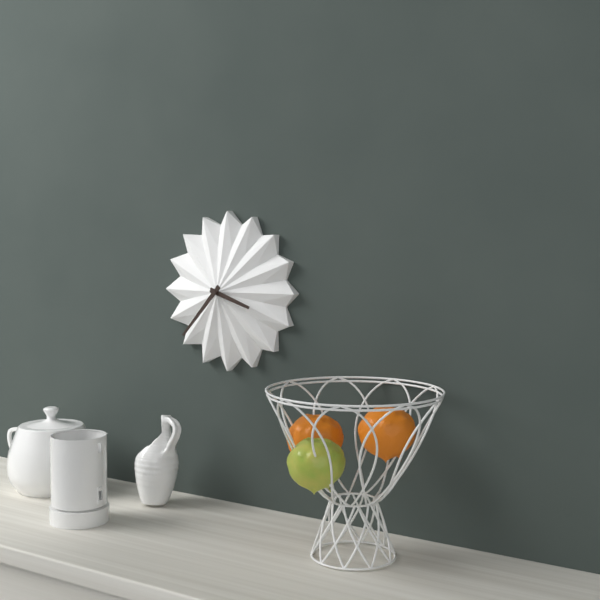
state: 3:37
